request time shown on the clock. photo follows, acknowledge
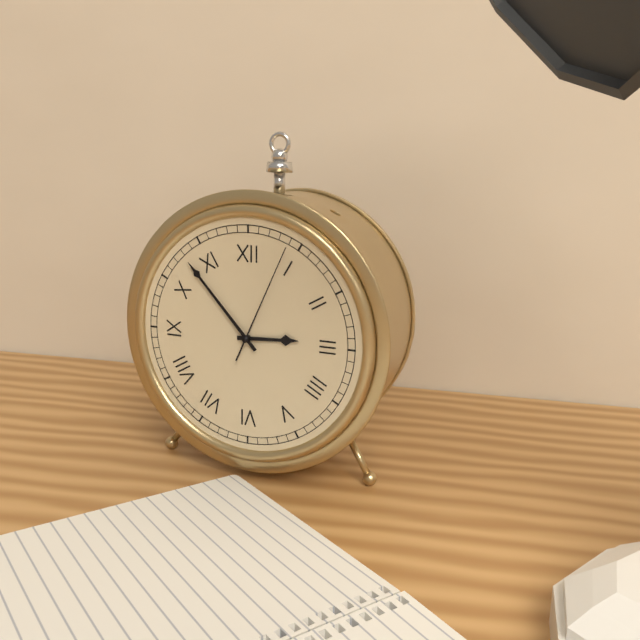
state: 2:53:04
